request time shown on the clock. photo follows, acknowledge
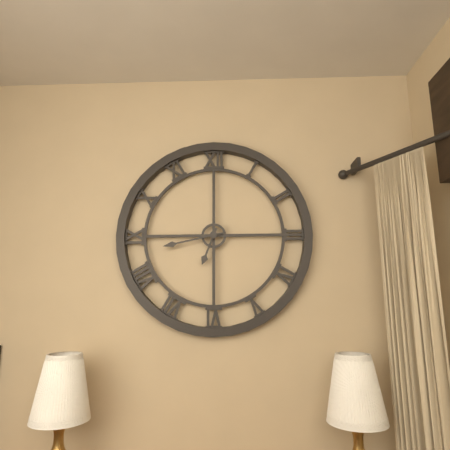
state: 6:43
